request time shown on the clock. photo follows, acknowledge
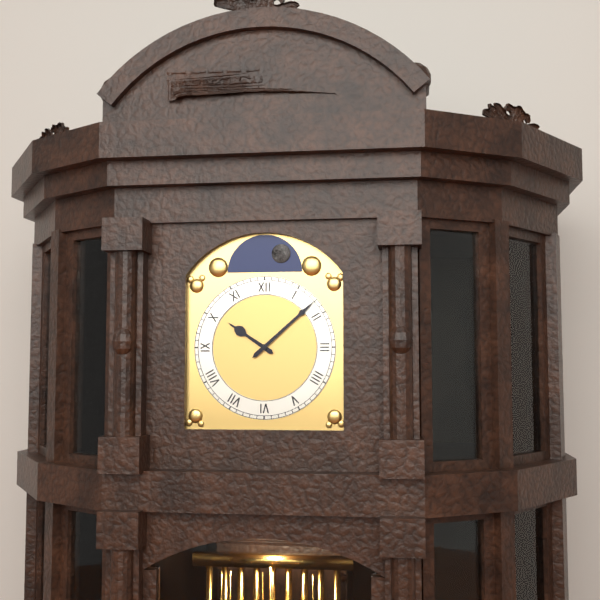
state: 10:08
